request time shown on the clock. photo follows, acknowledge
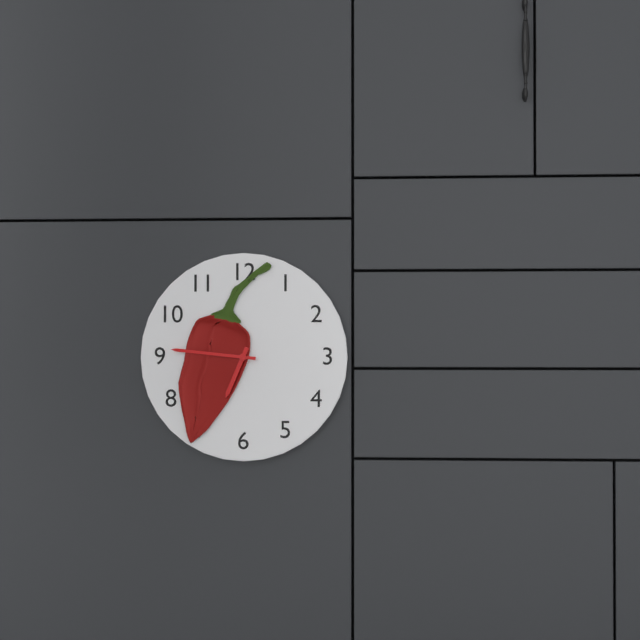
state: 6:46
